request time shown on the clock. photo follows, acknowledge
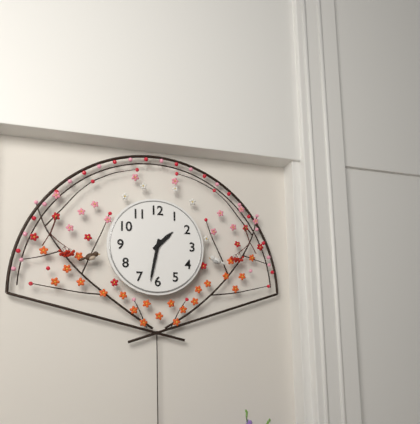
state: 1:32
